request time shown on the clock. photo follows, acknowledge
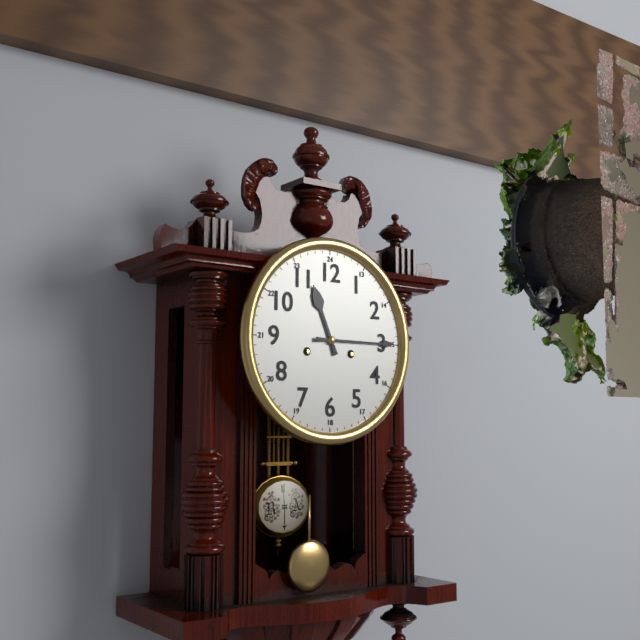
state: 11:15
